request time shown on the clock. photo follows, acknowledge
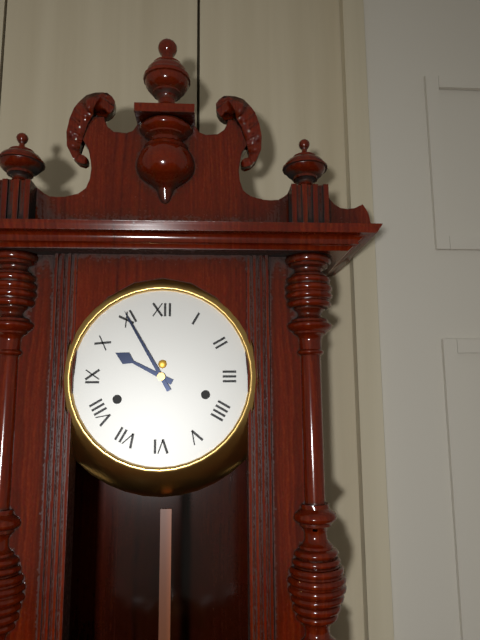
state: 9:55
